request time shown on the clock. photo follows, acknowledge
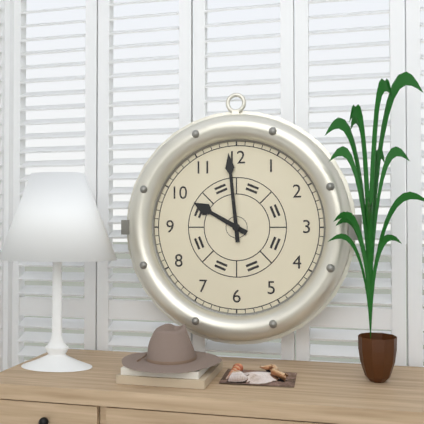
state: 9:59
